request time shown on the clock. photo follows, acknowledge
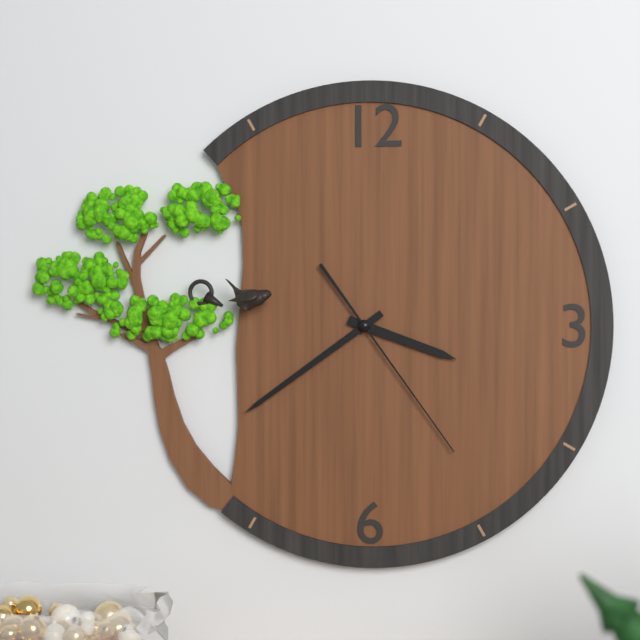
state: 3:39:24
